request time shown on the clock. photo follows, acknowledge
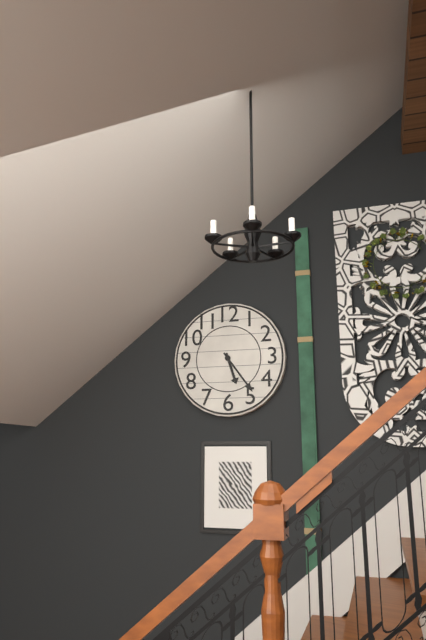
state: 5:24
